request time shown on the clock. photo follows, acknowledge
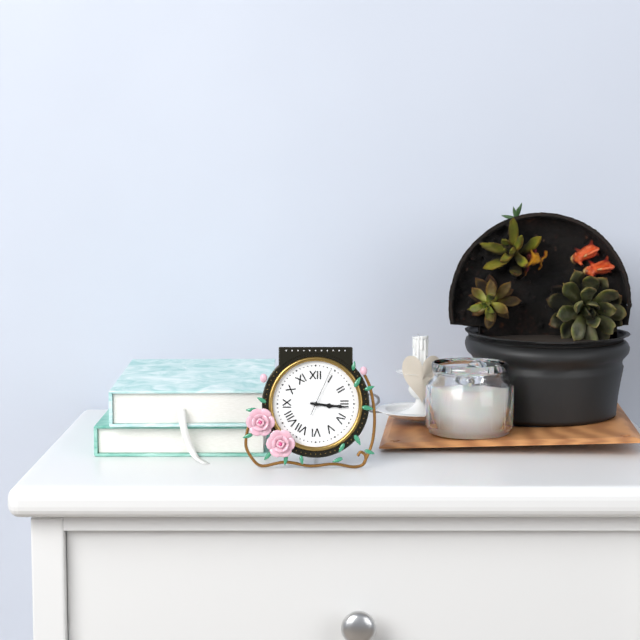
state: 3:16
